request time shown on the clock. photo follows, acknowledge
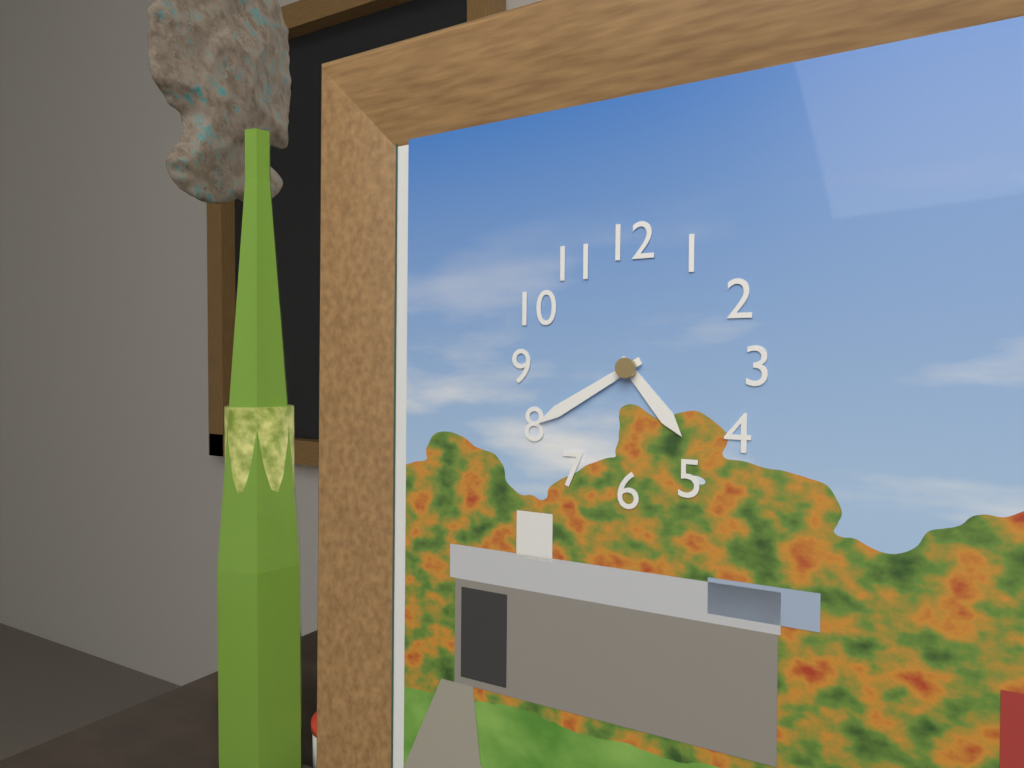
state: 4:40
